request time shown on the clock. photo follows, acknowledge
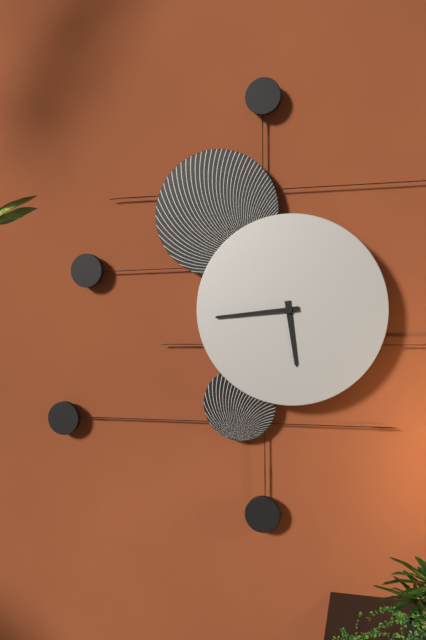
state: 5:44
